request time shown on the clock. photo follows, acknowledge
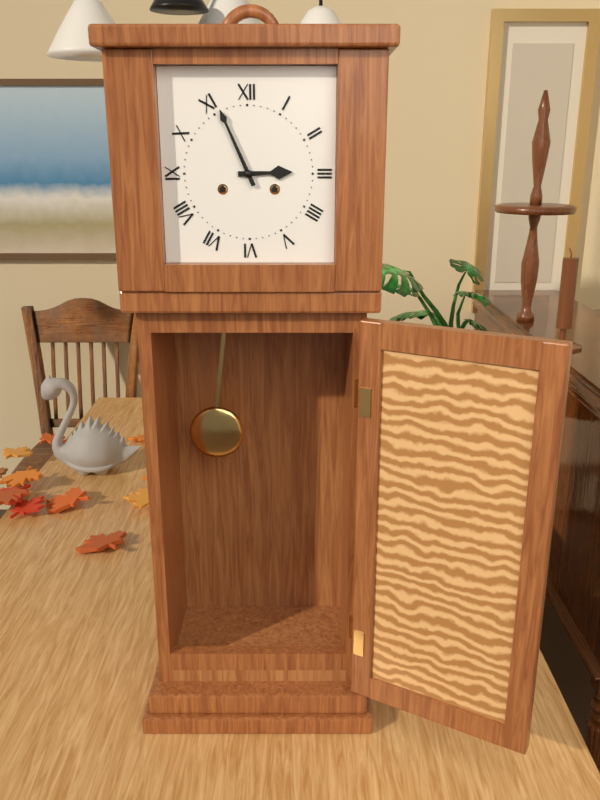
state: 2:56
